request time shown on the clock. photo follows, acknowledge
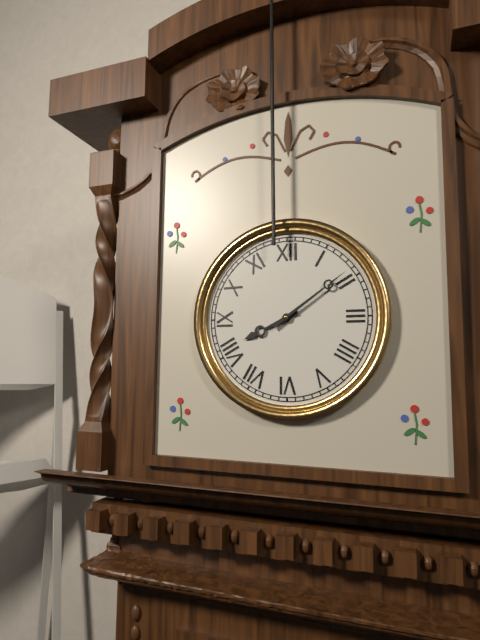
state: 8:09
